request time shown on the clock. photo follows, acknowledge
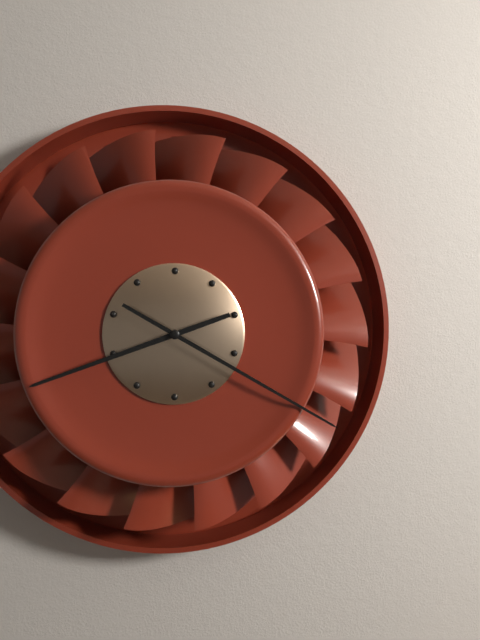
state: 8:20
